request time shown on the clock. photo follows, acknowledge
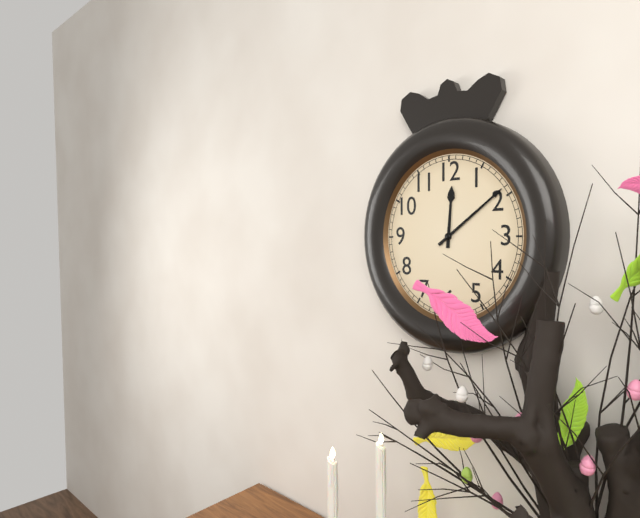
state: 12:09
